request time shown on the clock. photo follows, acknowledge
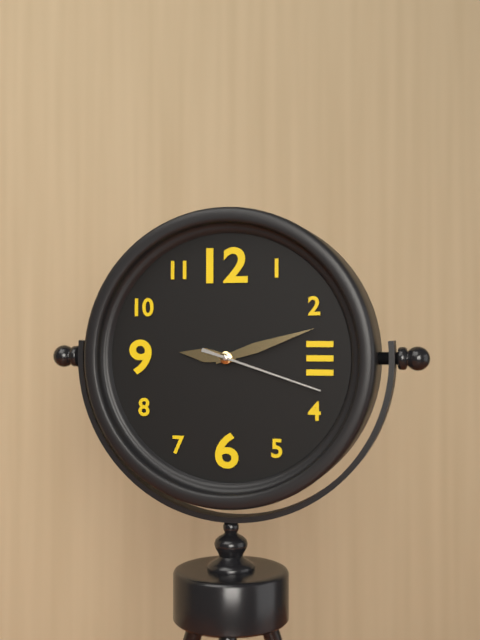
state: 9:12:18
